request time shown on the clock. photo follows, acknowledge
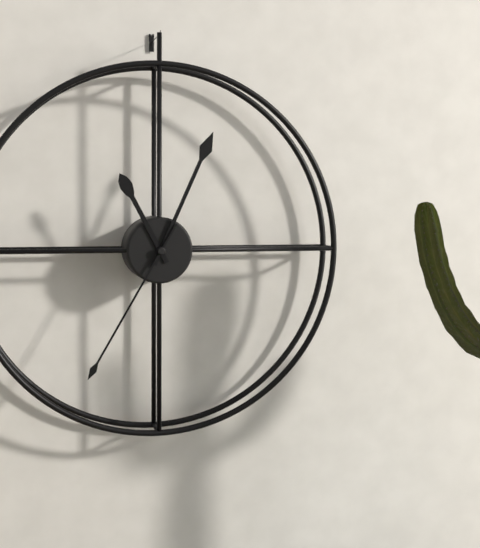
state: 11:04:35
